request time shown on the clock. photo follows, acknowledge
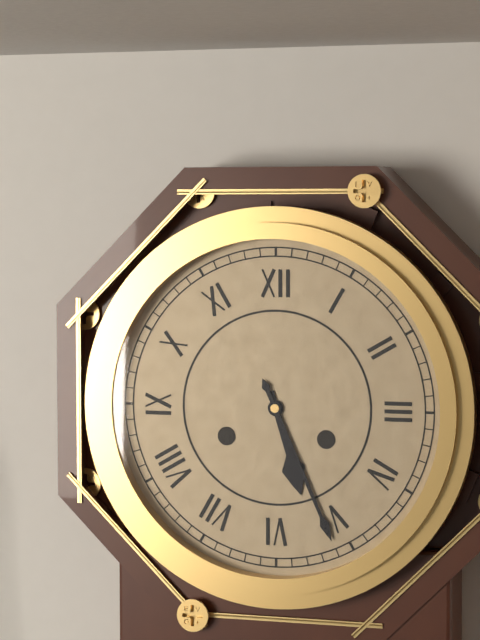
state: 5:26
